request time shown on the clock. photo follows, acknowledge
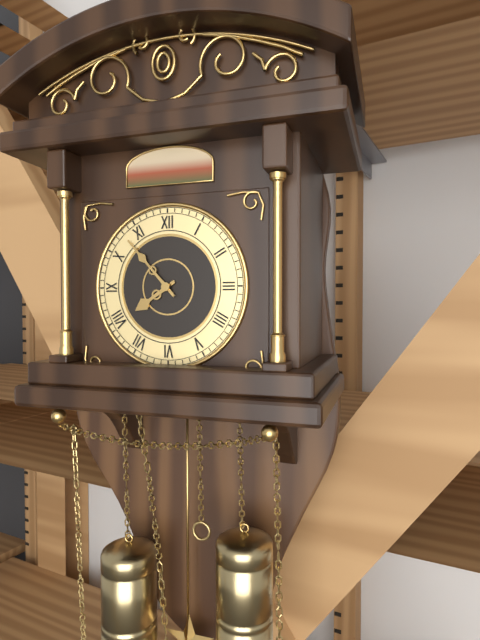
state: 7:53
